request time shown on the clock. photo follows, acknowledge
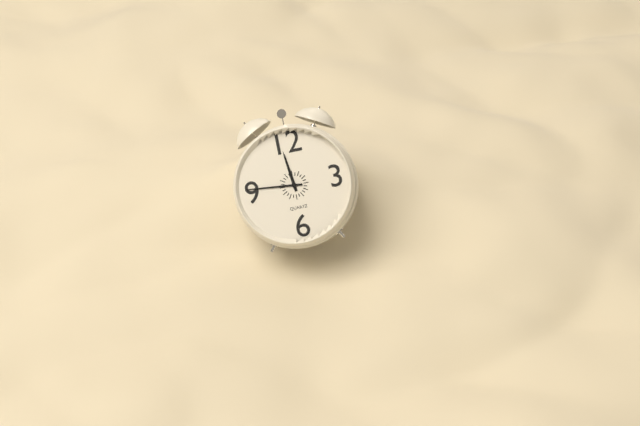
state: 11:46
